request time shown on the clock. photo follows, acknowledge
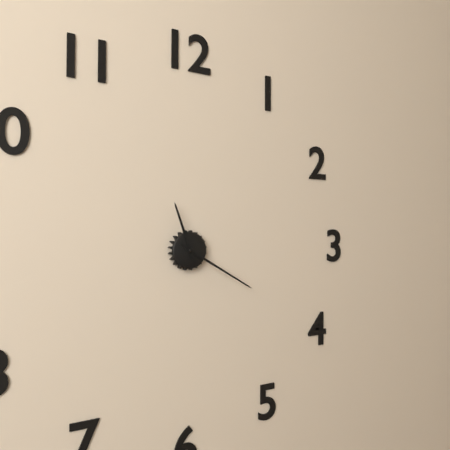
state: 11:20
